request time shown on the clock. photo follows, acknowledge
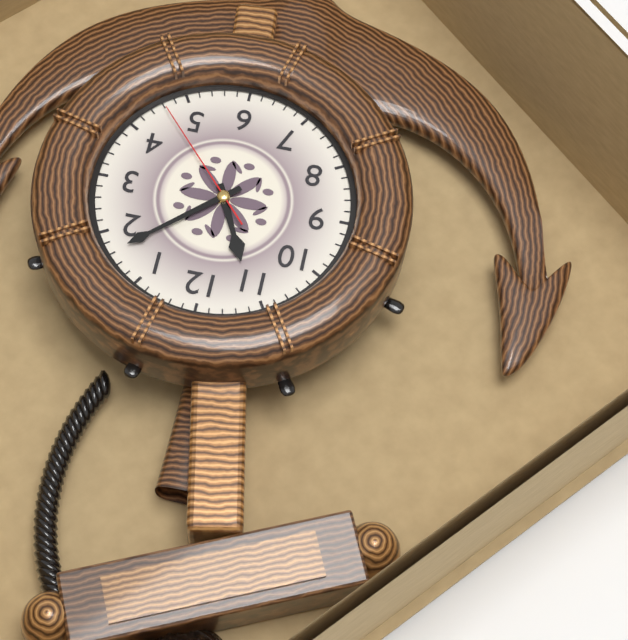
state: 11:08:23
